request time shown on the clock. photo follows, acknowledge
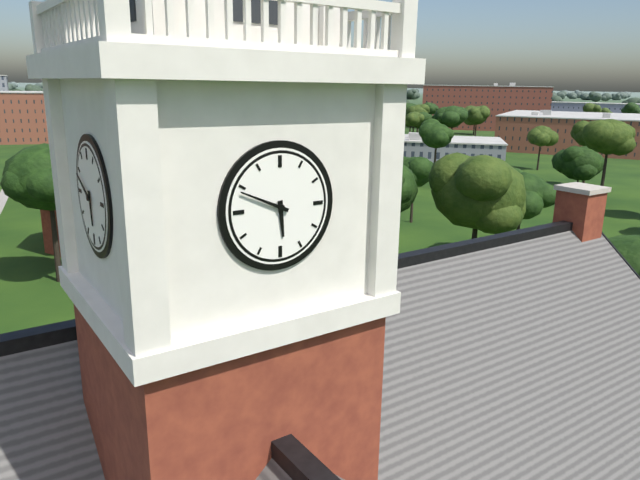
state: 5:49
